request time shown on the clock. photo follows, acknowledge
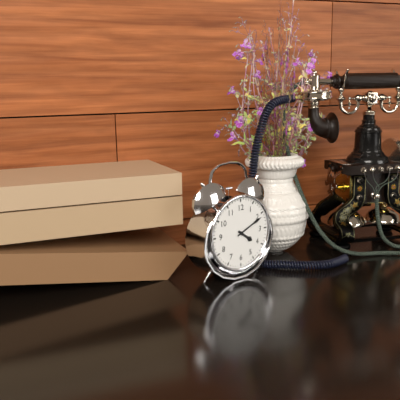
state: 4:11
